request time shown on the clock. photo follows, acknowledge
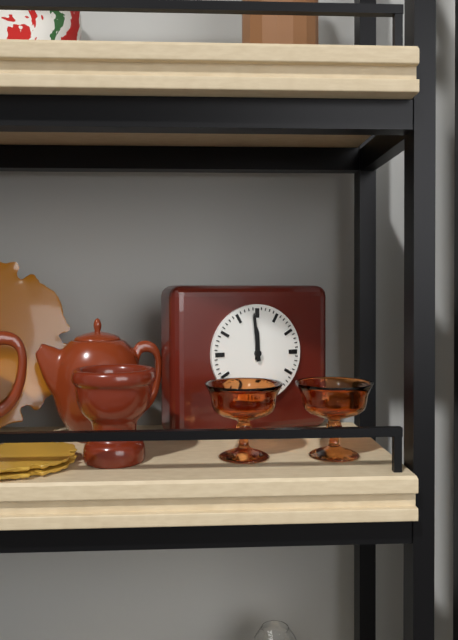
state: 11:59
